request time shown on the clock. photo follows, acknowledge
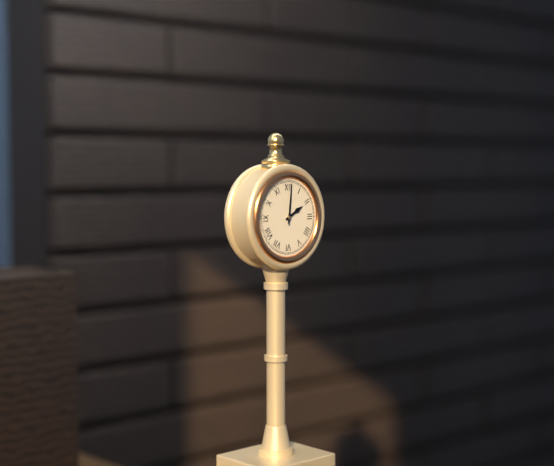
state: 2:01
